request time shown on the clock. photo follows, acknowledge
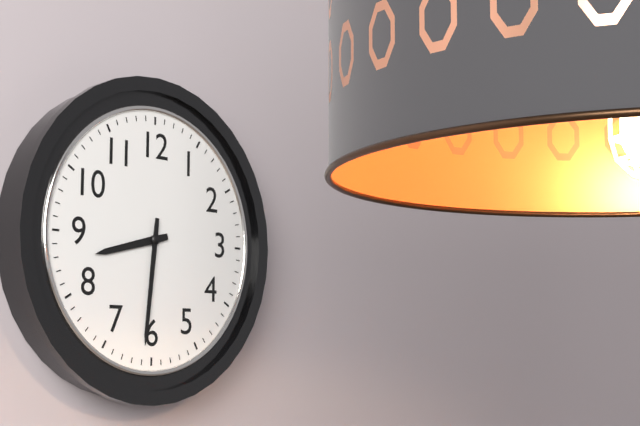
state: 8:31
